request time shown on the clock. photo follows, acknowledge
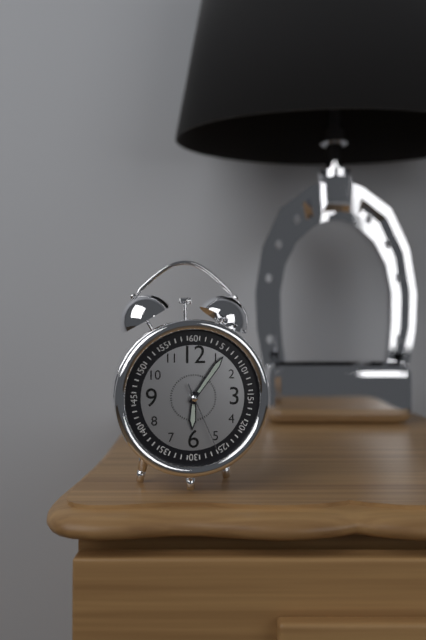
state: 6:06:26
